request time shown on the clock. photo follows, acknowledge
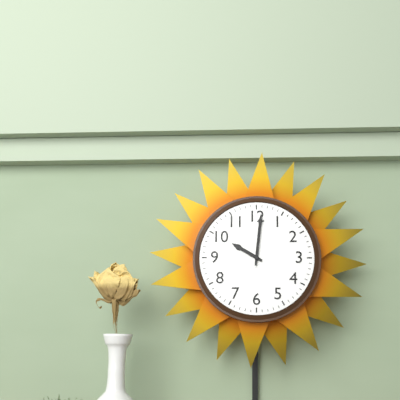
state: 10:01
